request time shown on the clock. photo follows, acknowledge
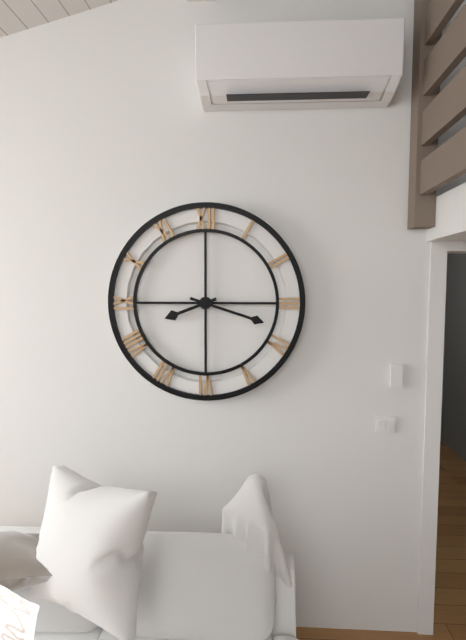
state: 8:18
